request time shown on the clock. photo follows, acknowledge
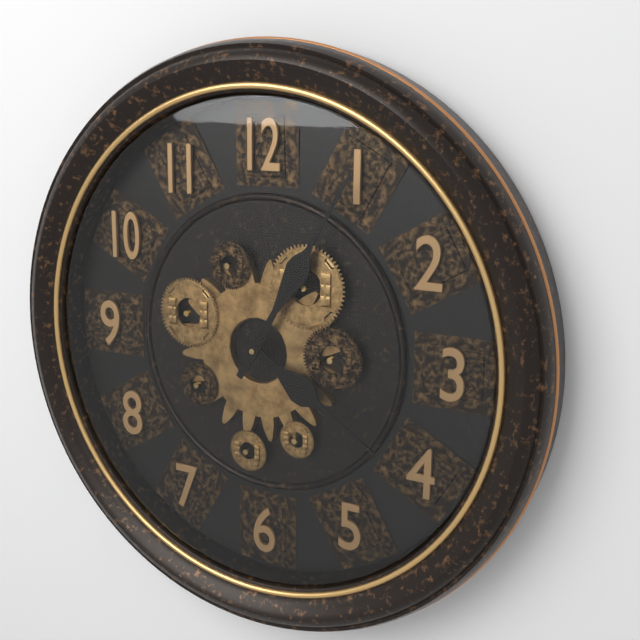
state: 4:05
